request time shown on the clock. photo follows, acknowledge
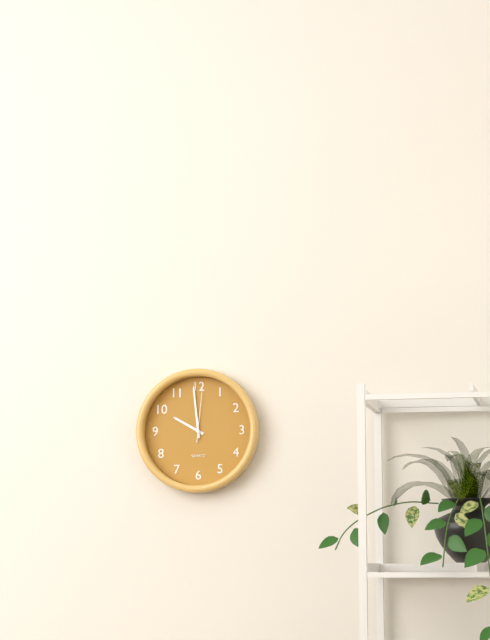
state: 9:59:01
